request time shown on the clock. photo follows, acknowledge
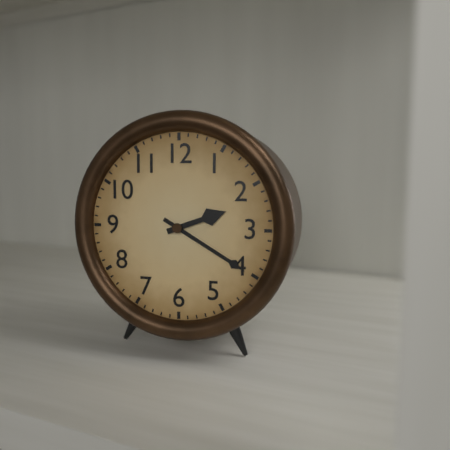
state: 2:20
